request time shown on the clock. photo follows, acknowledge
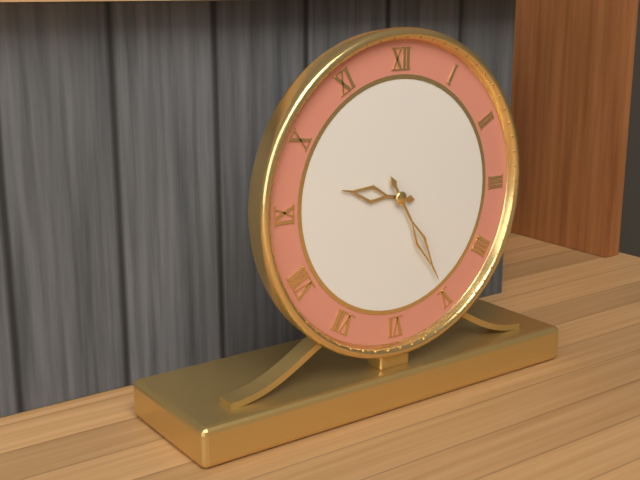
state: 9:25
